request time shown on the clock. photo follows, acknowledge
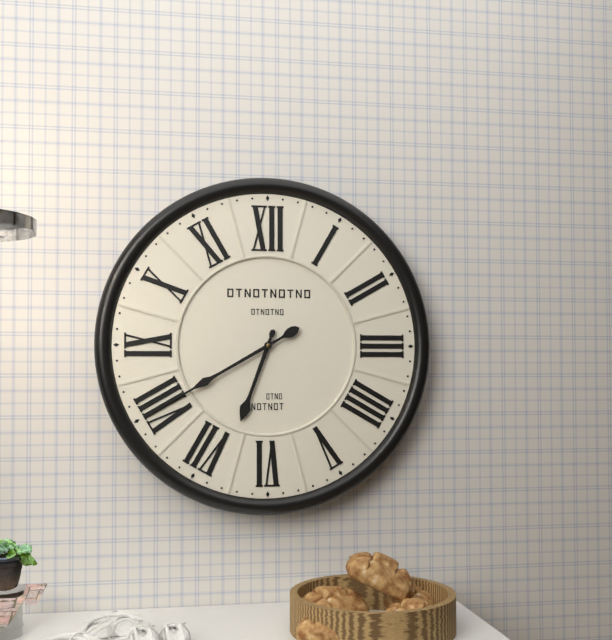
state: 6:40
